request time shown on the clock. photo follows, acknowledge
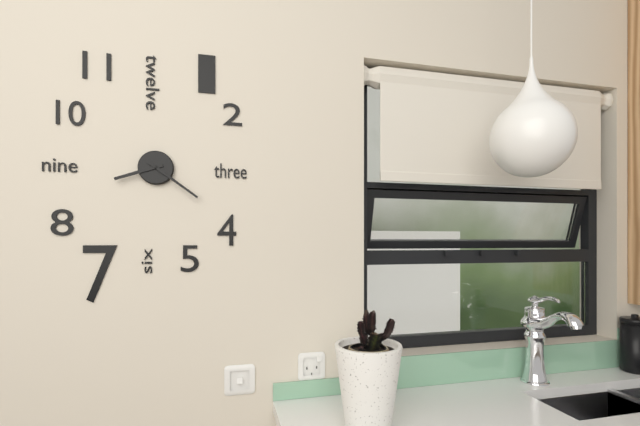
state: 8:21
